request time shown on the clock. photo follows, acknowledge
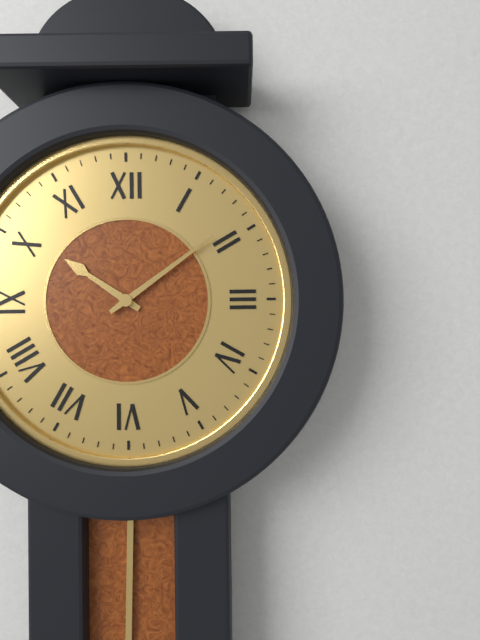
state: 10:09
